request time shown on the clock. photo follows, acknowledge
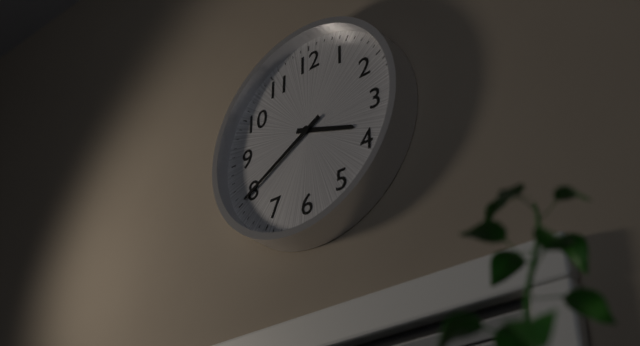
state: 3:40
